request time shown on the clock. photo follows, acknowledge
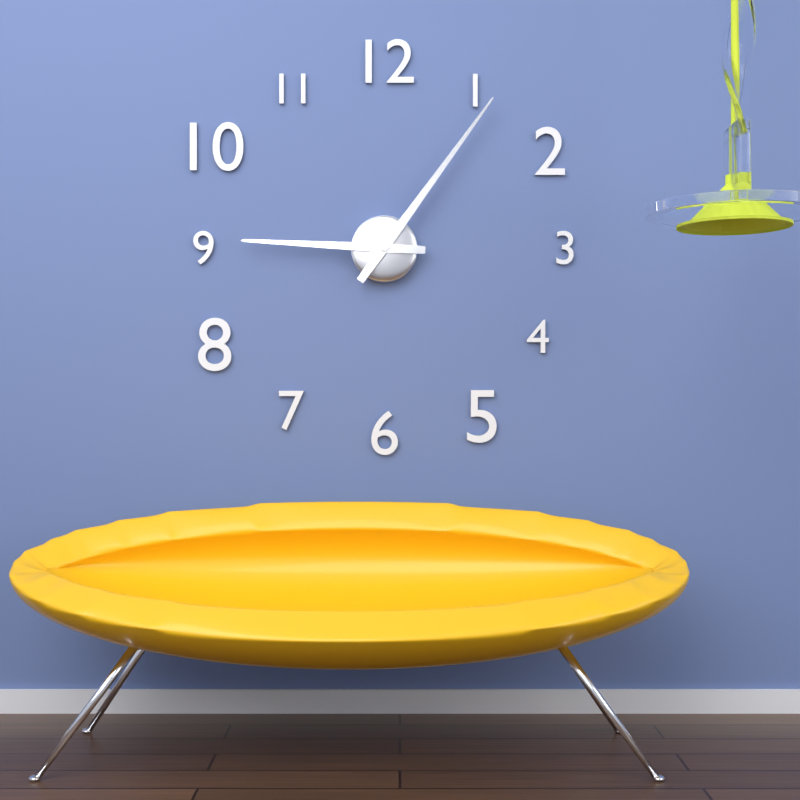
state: 9:06
